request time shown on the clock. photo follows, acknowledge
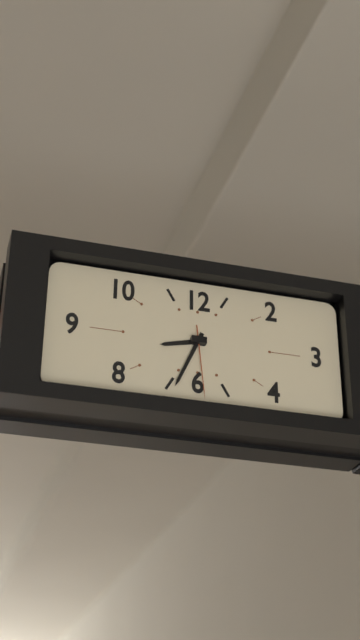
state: 8:34:29
